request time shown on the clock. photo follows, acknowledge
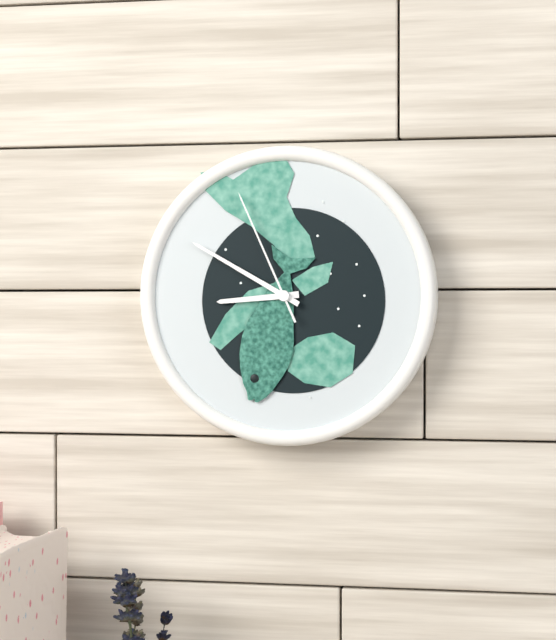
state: 8:50:56
